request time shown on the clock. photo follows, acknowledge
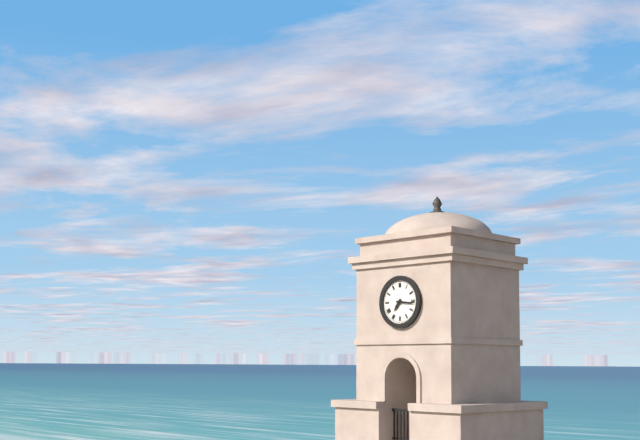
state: 7:16
